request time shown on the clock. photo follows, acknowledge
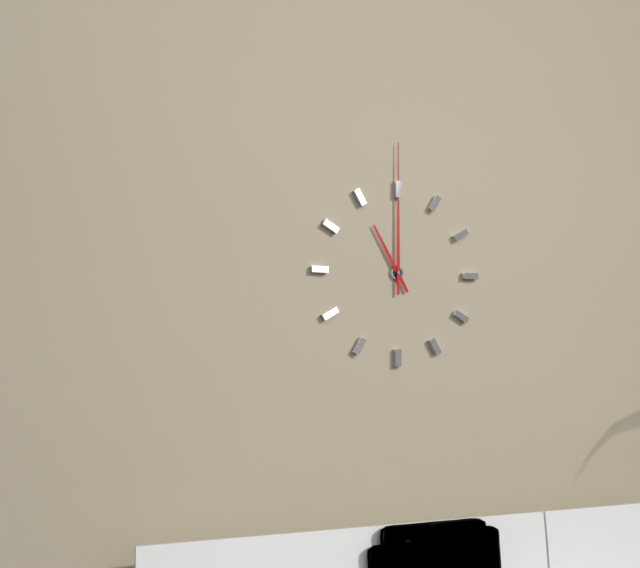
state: 11:00
